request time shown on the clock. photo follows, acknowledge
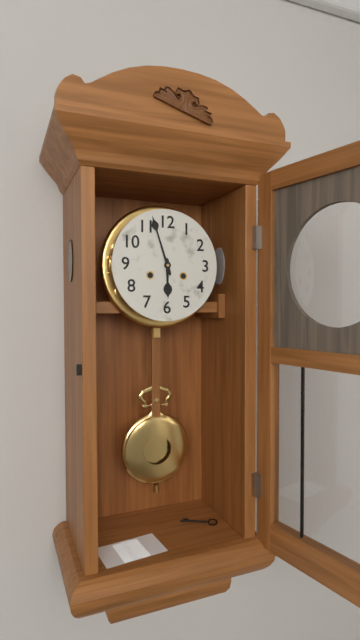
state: 5:57
